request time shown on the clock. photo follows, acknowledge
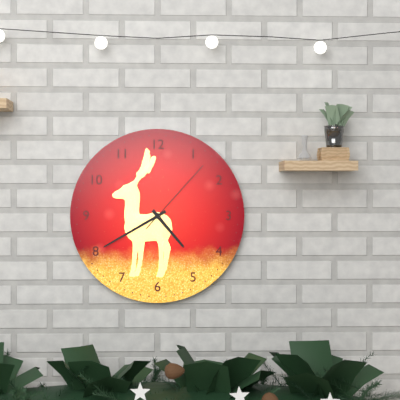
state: 4:40:07
